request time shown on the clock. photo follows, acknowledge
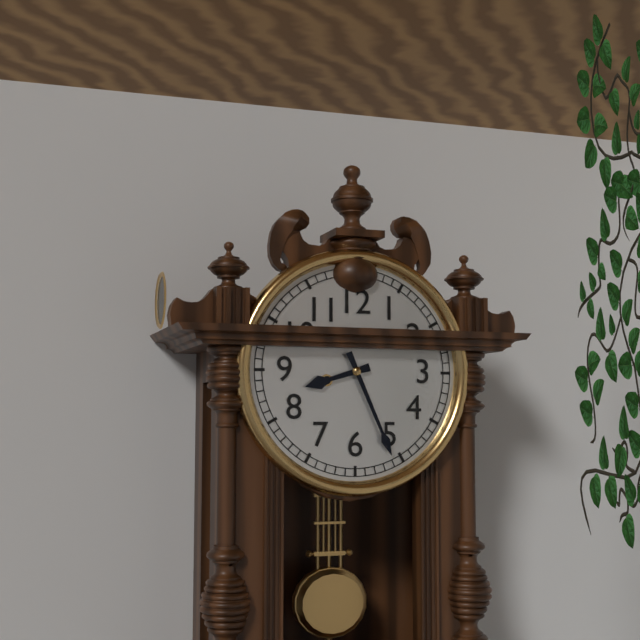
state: 8:26
